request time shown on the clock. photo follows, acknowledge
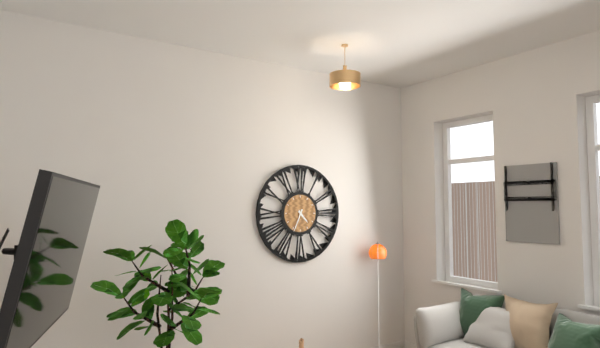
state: 4:34
